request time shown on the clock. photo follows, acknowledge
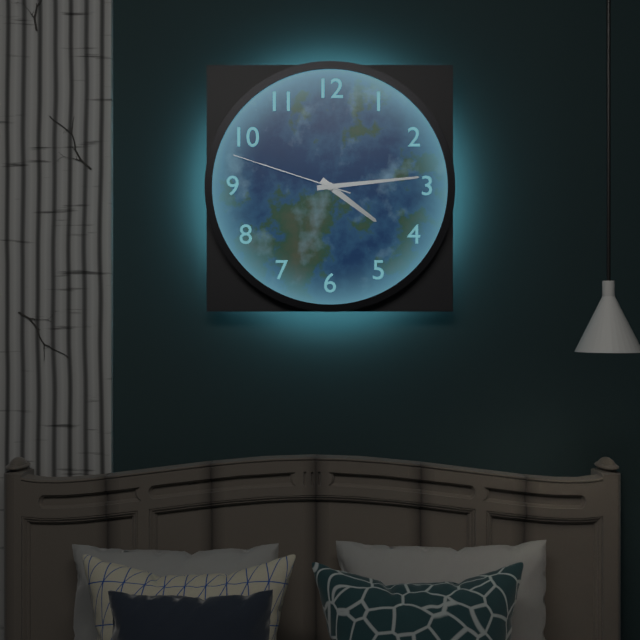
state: 4:14:48
